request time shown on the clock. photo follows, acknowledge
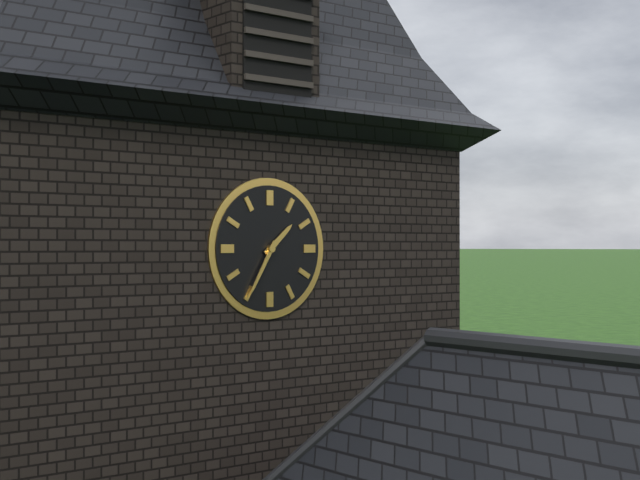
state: 1:35
